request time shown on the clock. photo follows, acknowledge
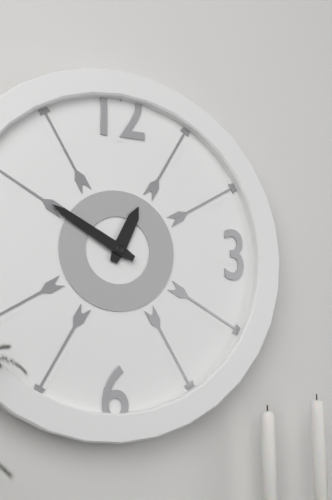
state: 12:50
